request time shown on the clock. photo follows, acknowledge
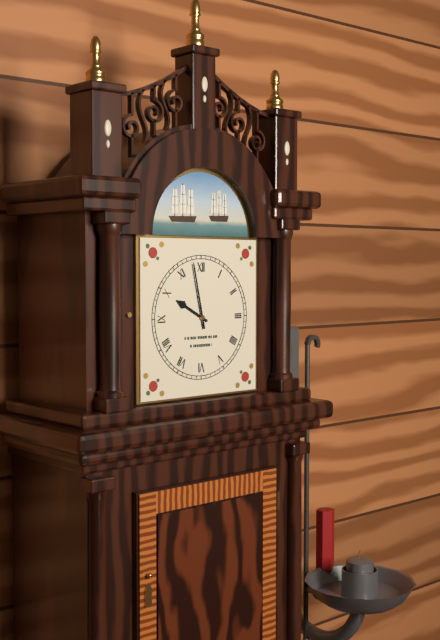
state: 9:58
